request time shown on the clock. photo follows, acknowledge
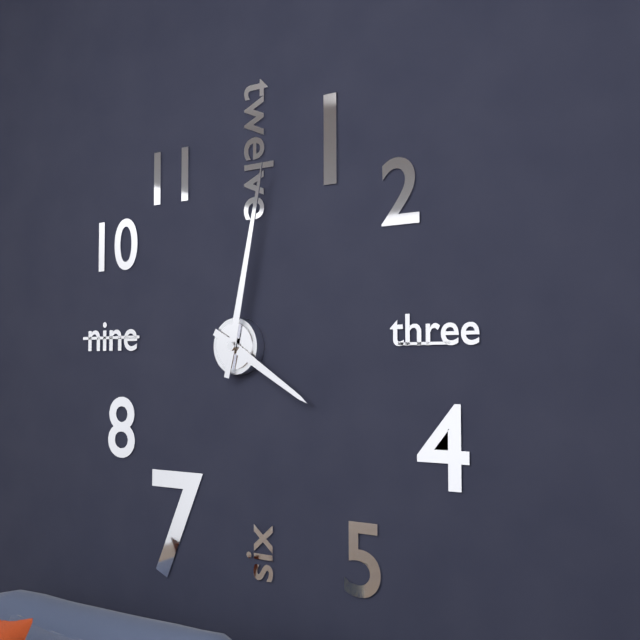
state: 4:02
